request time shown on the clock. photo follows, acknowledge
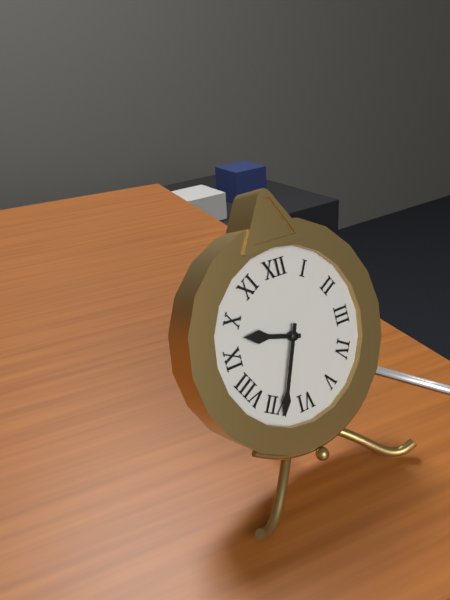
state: 9:34
